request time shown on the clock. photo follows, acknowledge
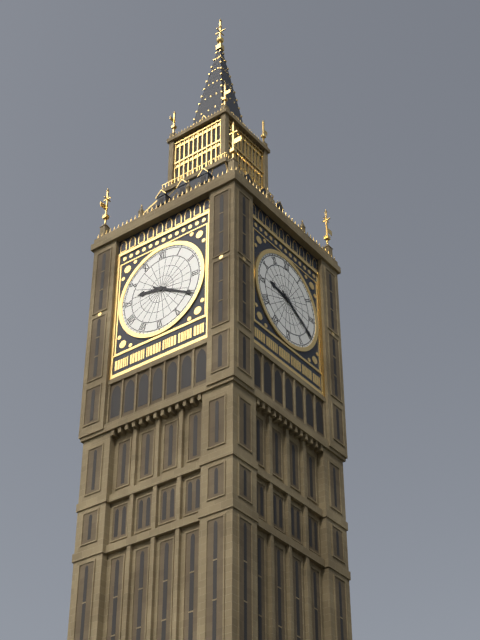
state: 9:20
